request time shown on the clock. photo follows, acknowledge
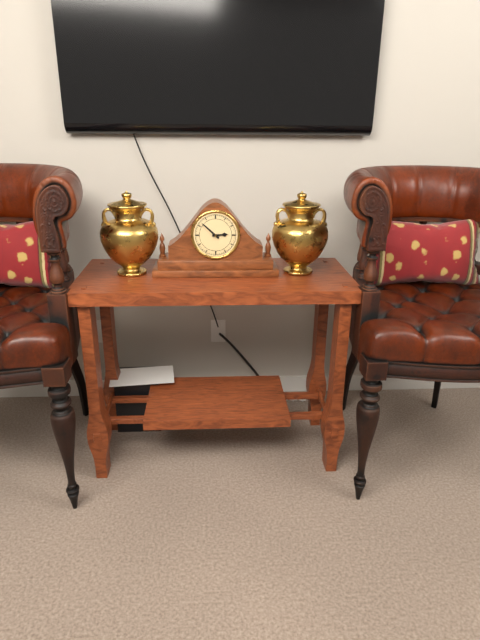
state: 2:52
